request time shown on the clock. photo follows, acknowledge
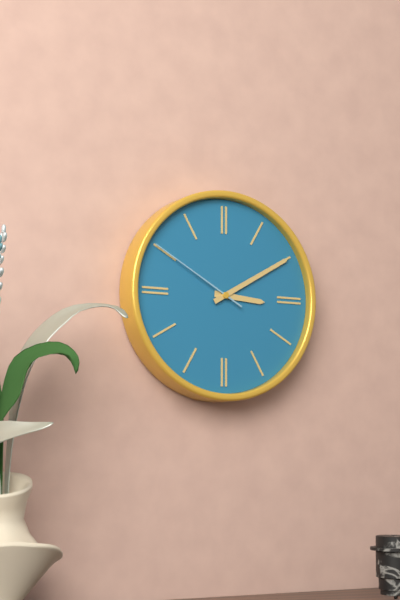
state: 3:10:50
